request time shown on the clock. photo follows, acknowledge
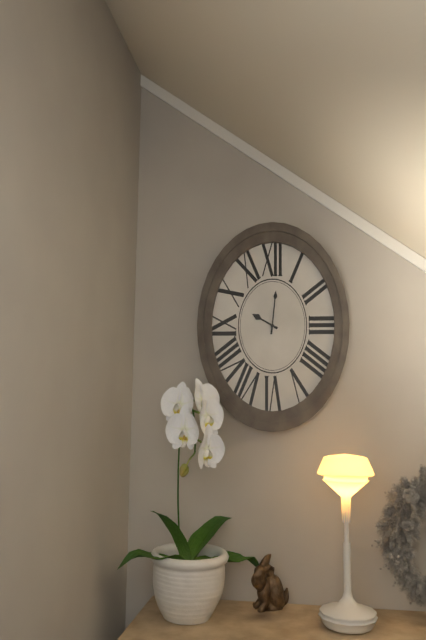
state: 10:01
